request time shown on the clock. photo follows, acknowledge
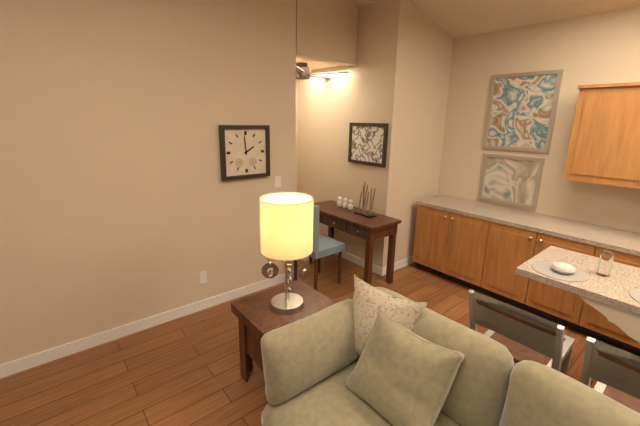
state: 1:59
